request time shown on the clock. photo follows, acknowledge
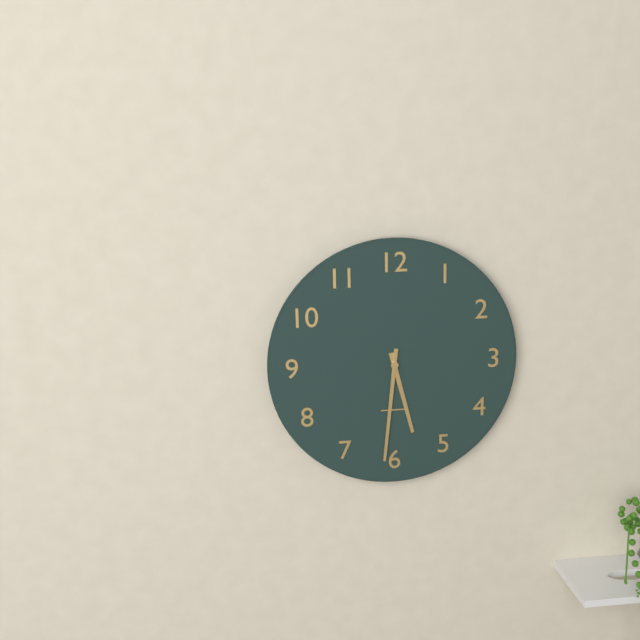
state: 5:31
